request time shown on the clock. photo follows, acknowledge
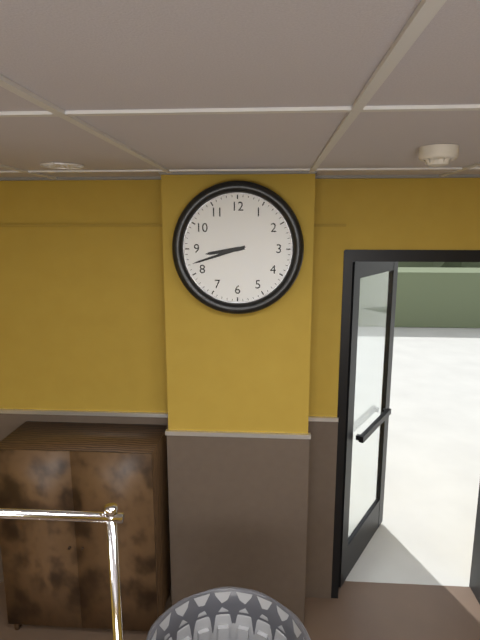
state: 8:42
